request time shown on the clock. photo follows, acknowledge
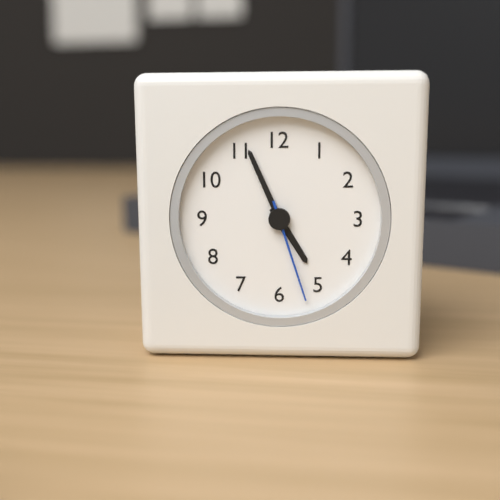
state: 4:56:27
